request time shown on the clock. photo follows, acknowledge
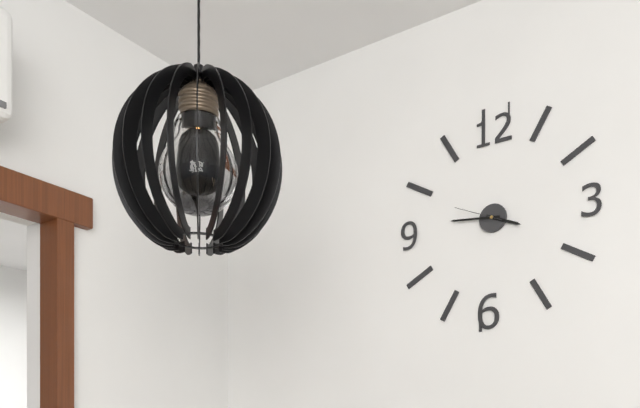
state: 3:46
